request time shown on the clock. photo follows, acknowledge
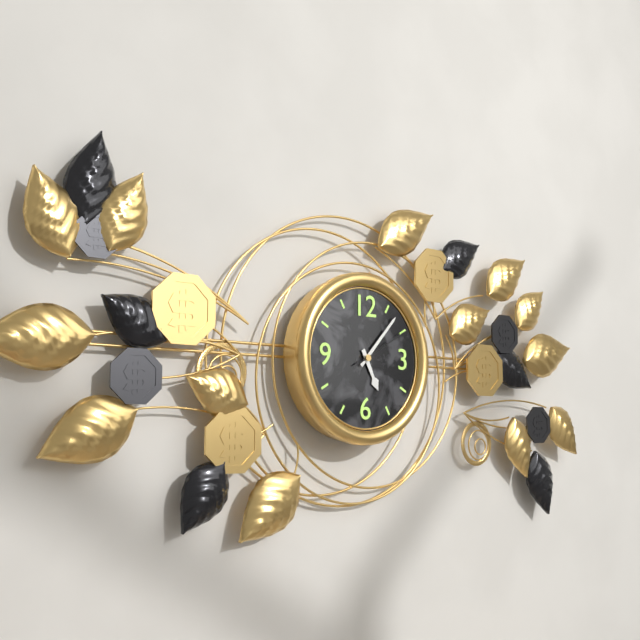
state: 5:07:10
